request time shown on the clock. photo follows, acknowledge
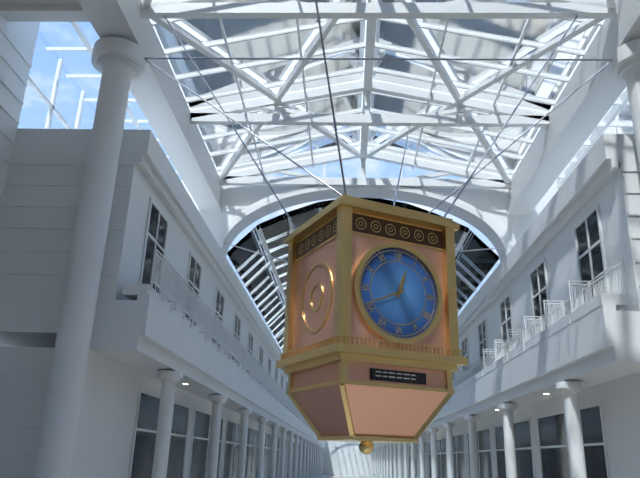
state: 12:41
